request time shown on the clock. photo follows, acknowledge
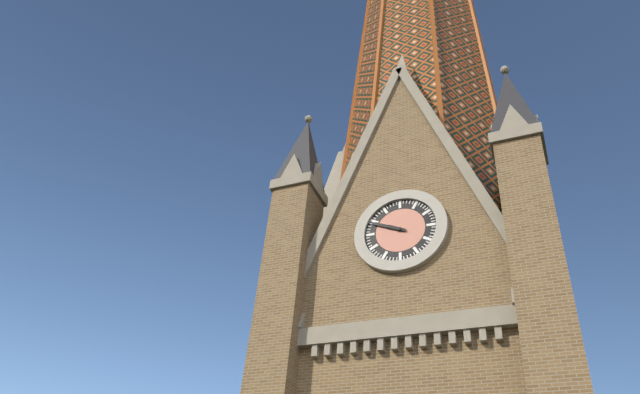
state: 9:49
